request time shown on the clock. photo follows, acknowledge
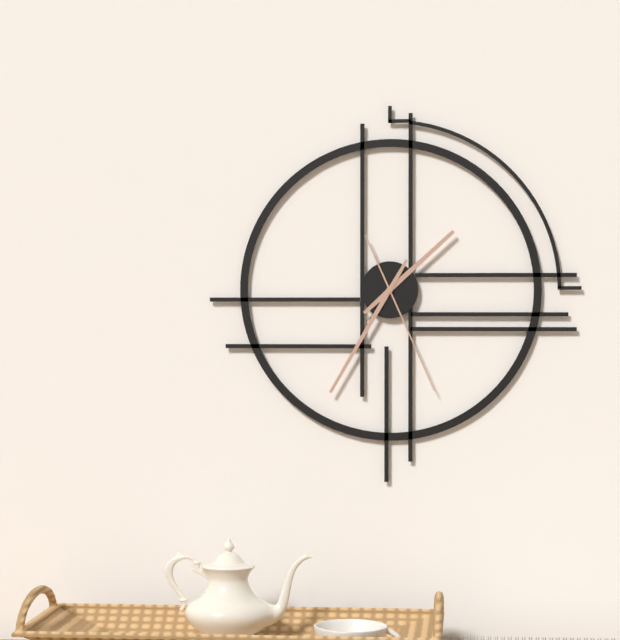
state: 1:35:26
